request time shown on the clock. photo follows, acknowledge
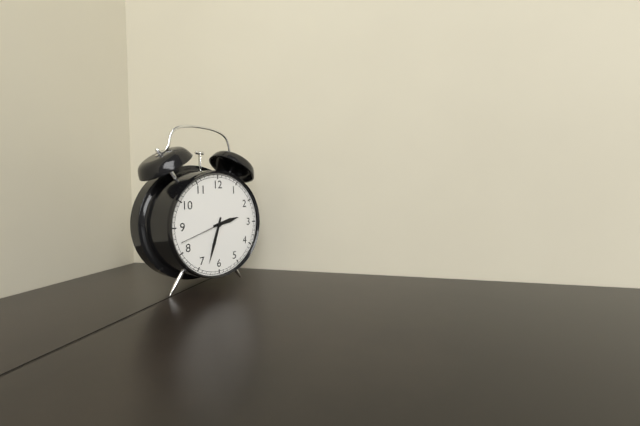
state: 2:33:42
